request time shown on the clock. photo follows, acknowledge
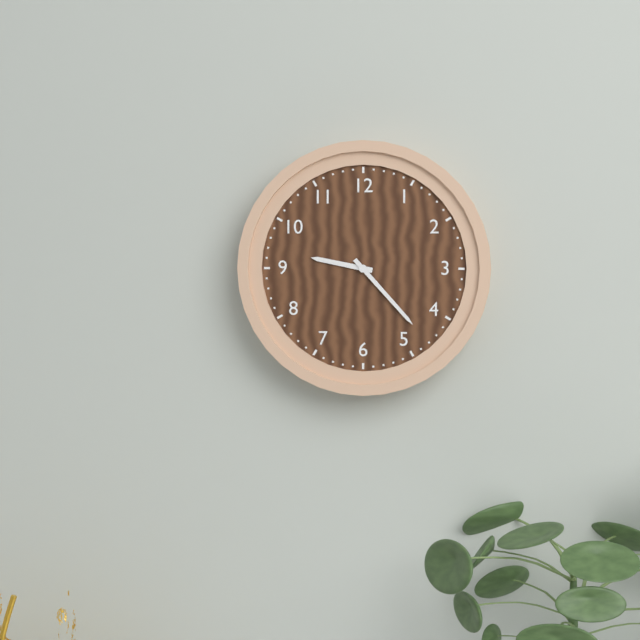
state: 9:23
